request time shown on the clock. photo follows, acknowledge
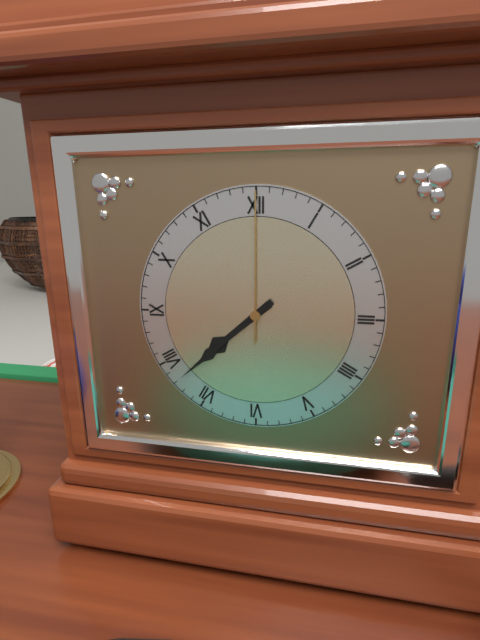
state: 7:38:00
